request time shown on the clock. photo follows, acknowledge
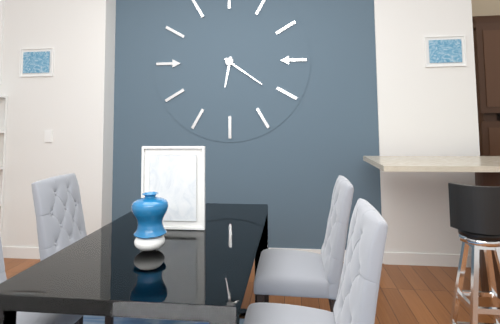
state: 6:21
